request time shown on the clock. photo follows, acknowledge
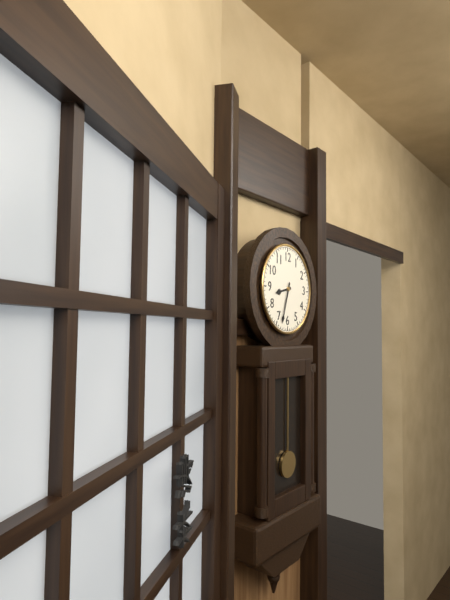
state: 8:33
